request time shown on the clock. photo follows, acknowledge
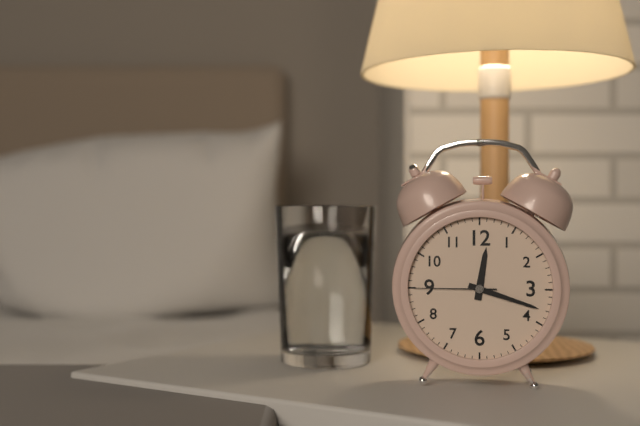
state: 12:18:45
